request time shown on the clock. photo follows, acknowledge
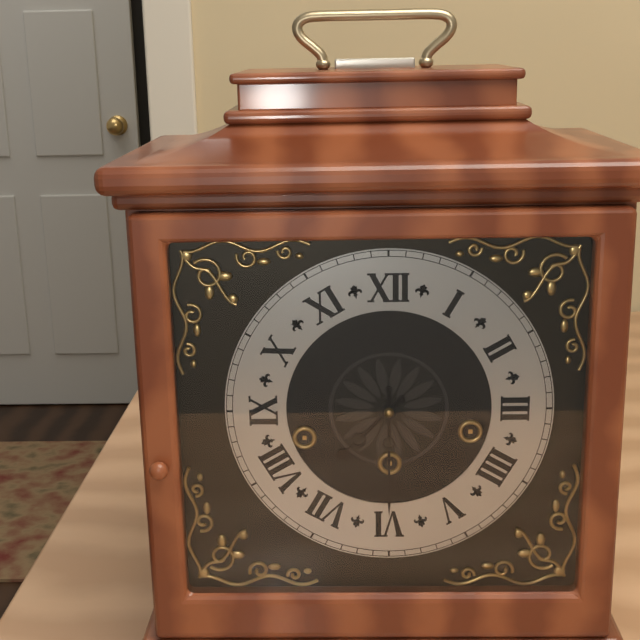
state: 7:30
